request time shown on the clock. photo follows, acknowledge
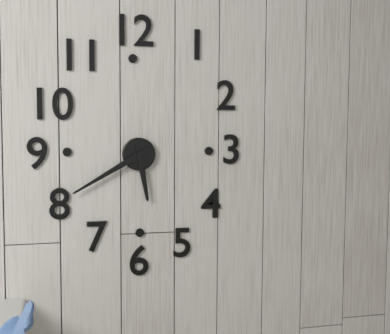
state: 5:40
